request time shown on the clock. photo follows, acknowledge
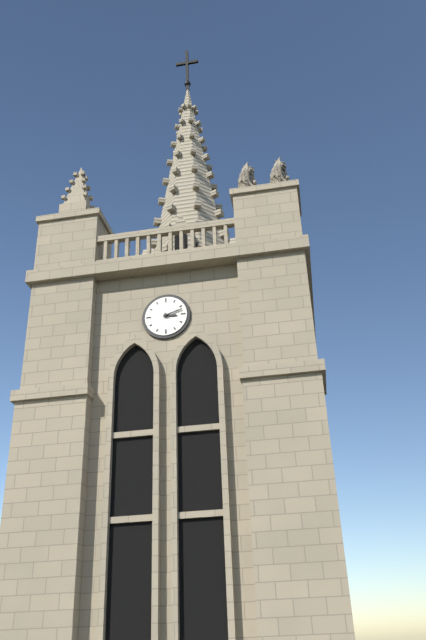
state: 3:12
